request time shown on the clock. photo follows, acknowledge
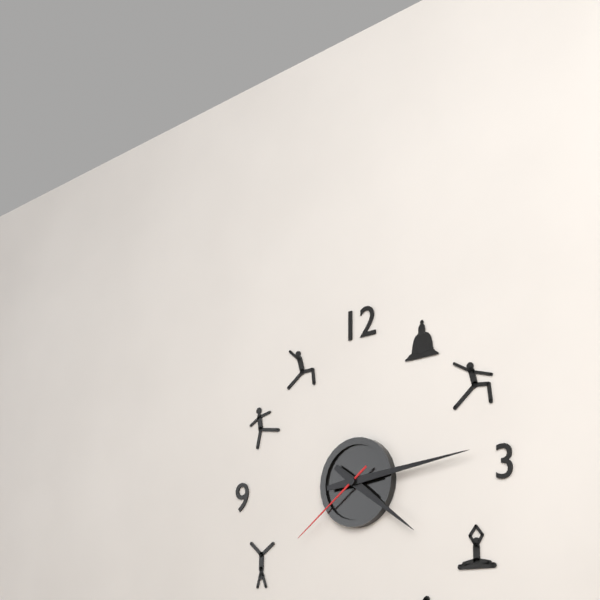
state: 4:14:39
